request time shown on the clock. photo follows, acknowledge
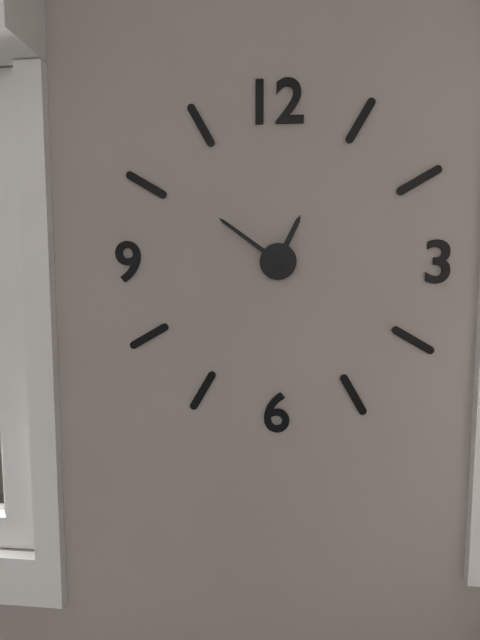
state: 12:51
